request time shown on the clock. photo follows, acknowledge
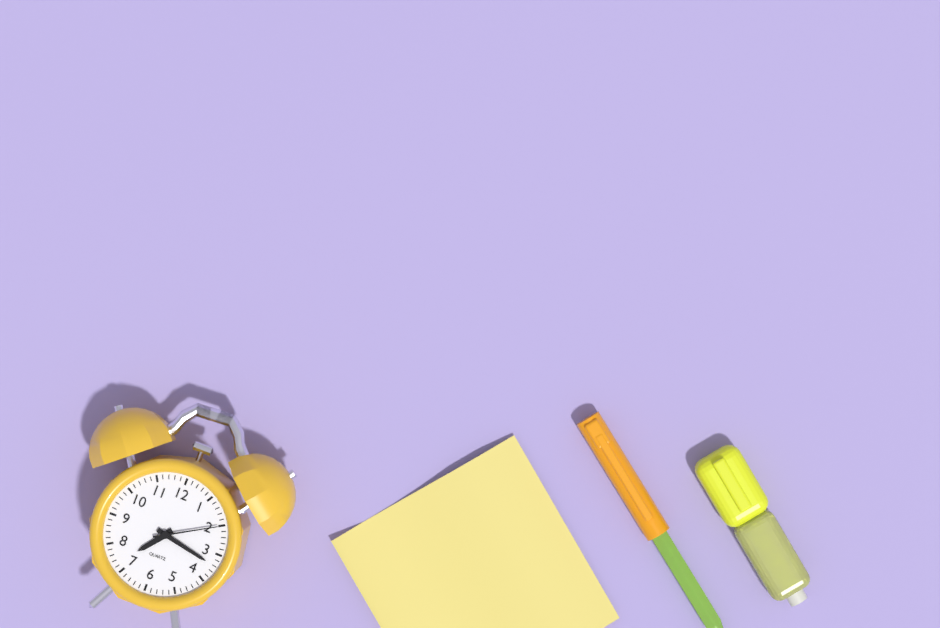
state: 7:17:10
